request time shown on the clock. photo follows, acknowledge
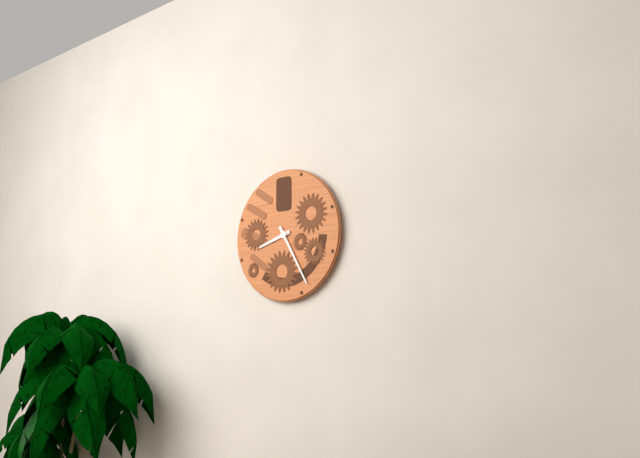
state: 8:25
